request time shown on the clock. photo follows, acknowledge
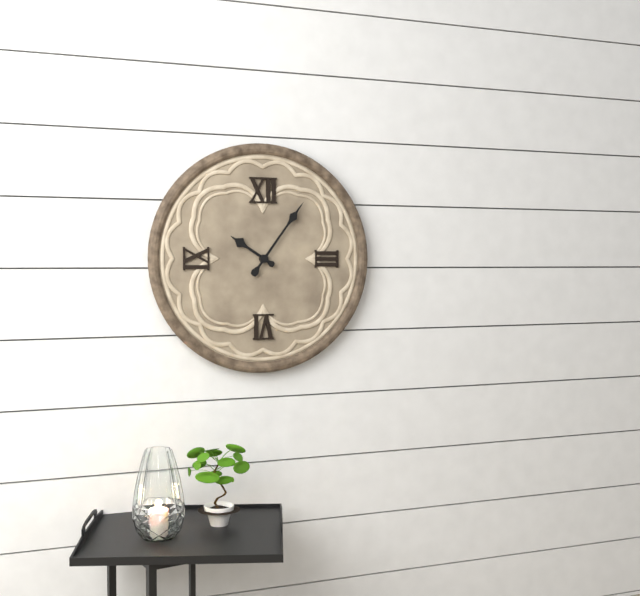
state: 10:06
